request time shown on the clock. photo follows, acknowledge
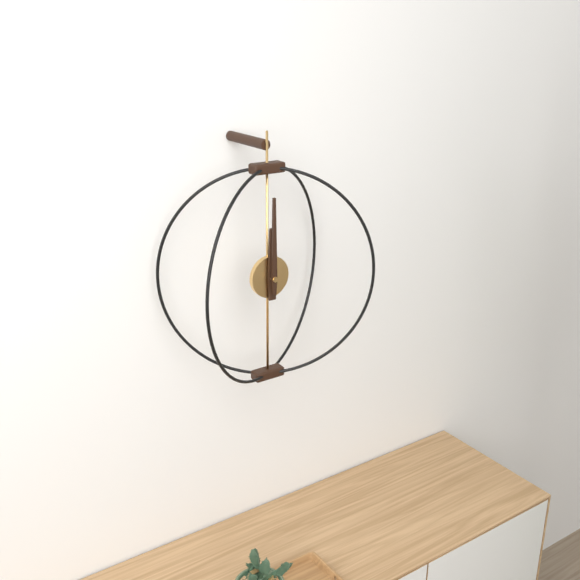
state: 12:00
